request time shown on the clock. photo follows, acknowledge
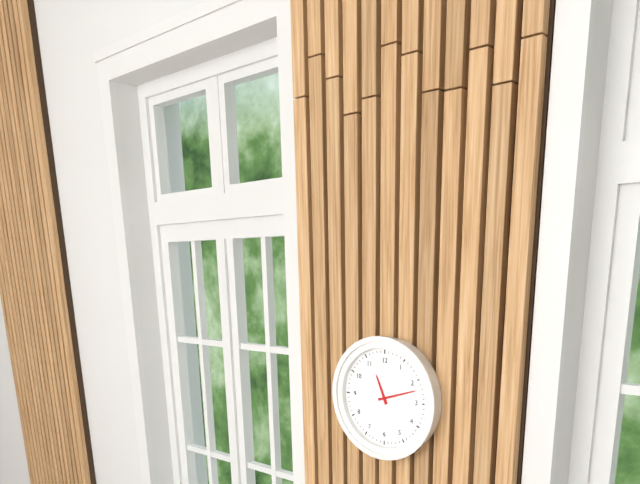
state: 11:12
